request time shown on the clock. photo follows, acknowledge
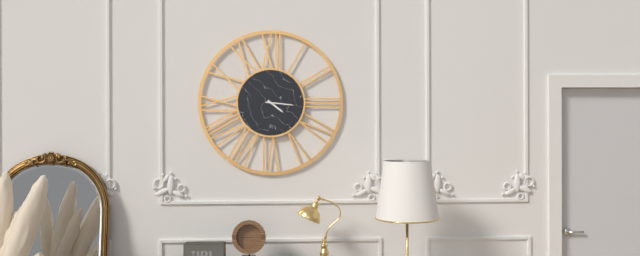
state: 4:16
